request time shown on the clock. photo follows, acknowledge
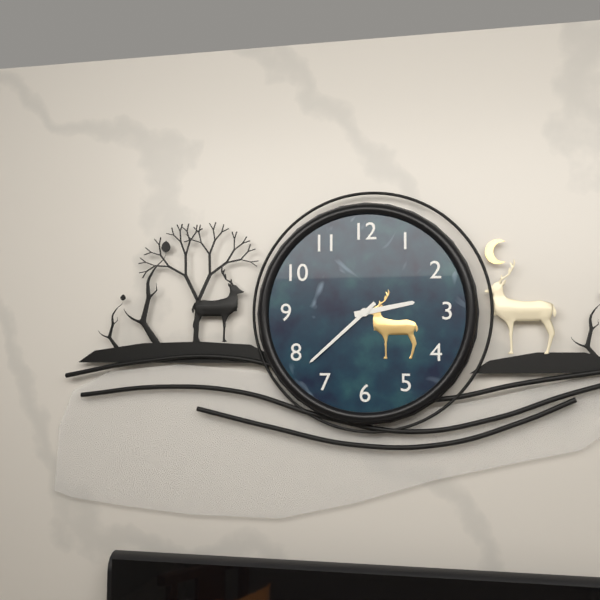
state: 2:38
